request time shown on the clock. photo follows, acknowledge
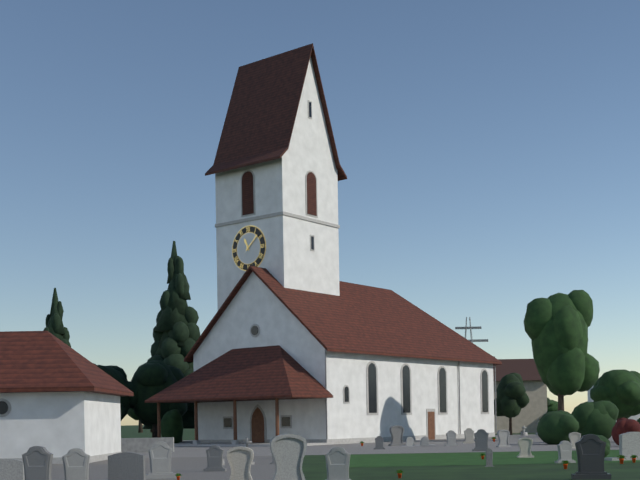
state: 11:08
